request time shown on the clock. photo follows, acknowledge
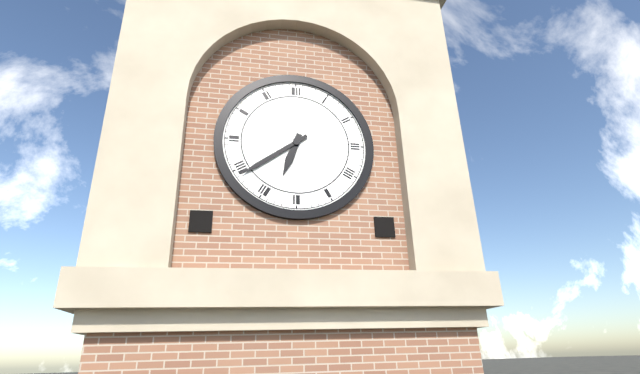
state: 6:39
